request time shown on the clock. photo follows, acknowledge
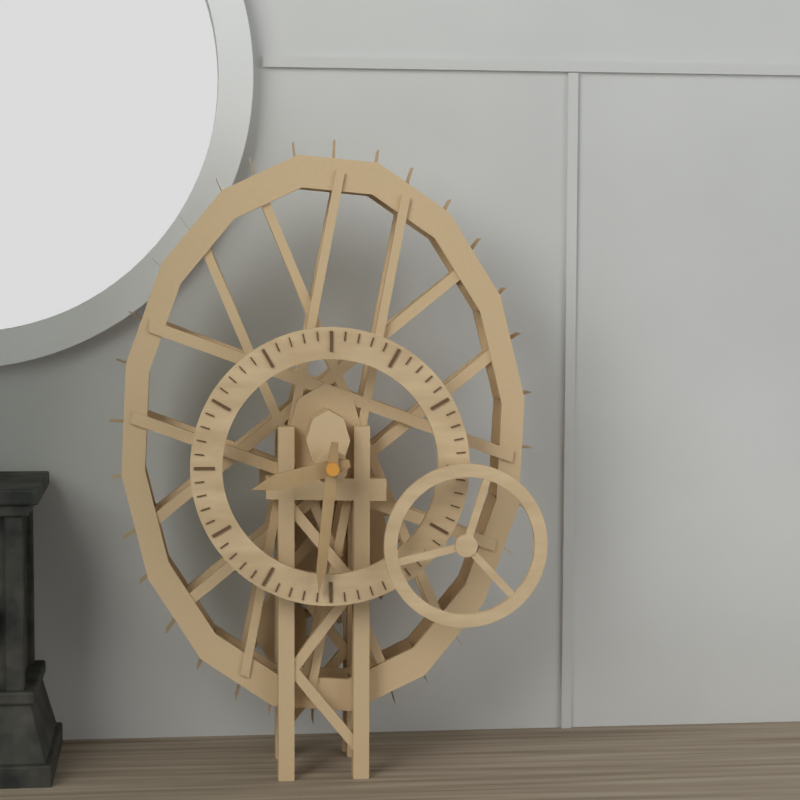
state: 8:31
